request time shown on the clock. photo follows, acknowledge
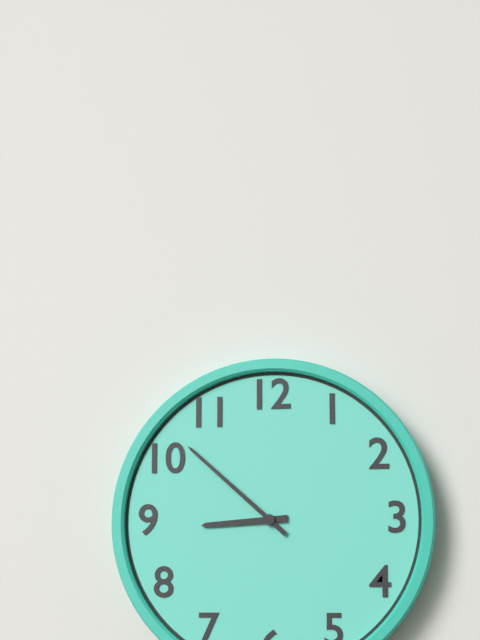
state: 8:52
